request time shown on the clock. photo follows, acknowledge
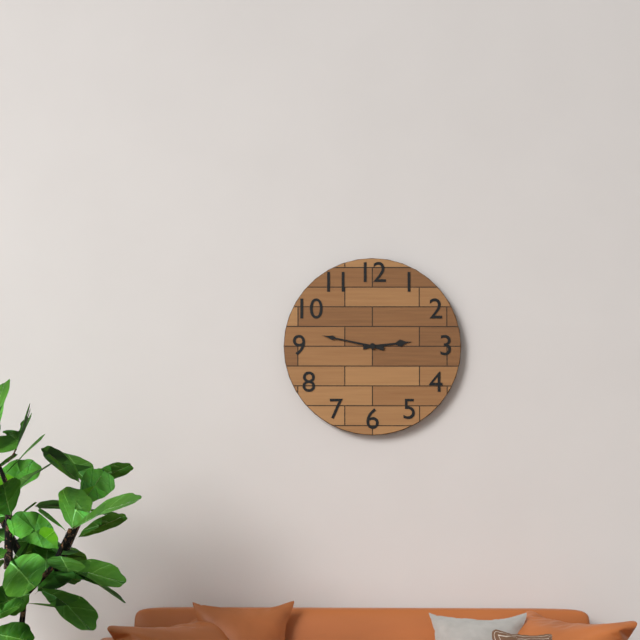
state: 2:47
